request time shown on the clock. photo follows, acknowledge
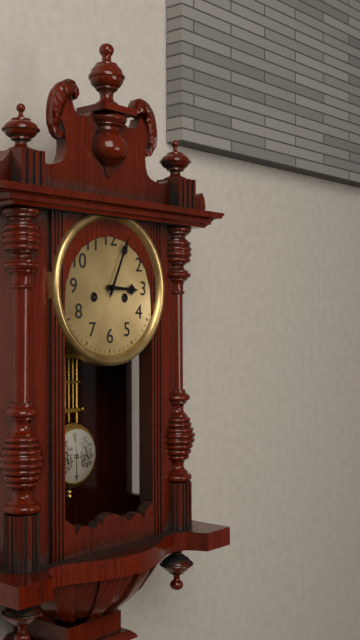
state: 3:04
